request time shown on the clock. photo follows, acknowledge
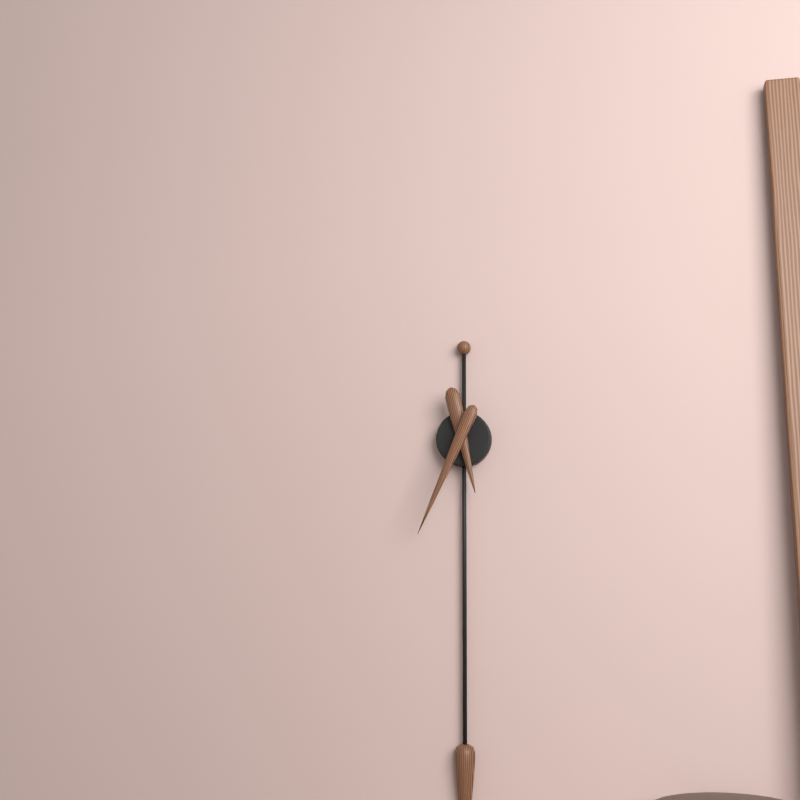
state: 5:34
